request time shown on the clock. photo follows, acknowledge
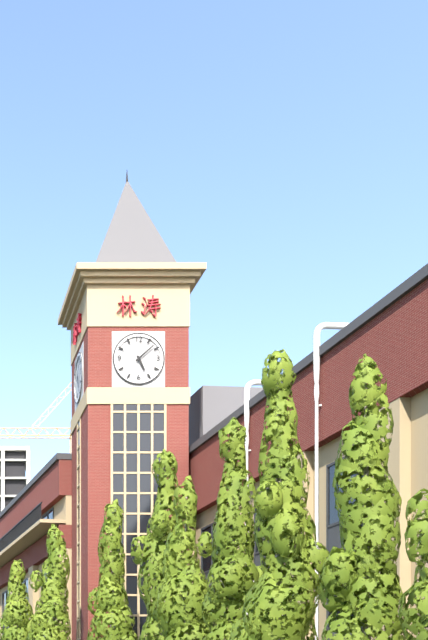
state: 5:08
